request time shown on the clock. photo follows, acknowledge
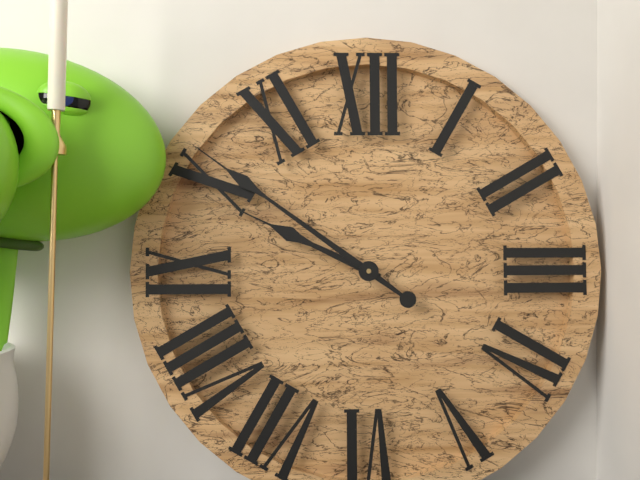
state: 9:51
